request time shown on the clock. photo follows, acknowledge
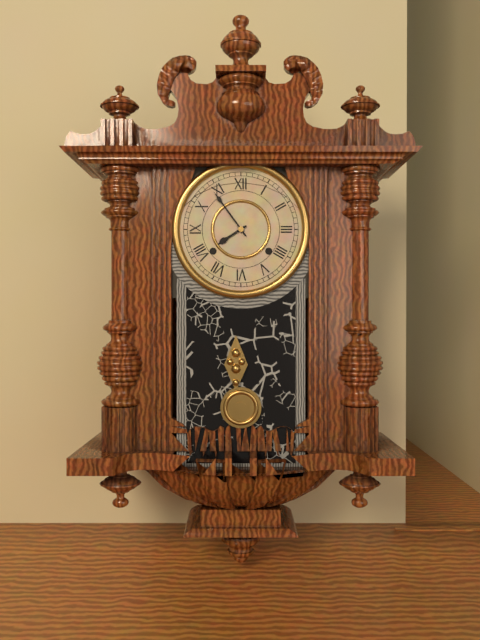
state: 7:54
